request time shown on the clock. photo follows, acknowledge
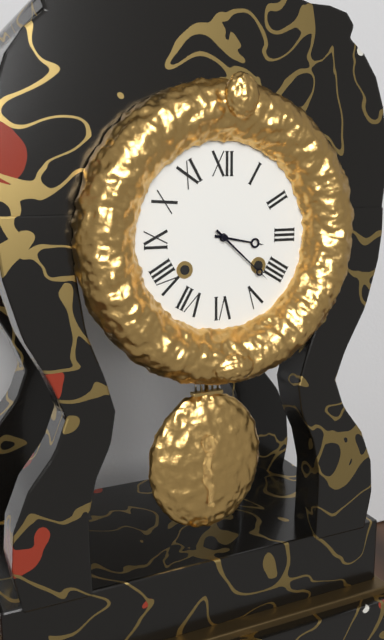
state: 3:22
